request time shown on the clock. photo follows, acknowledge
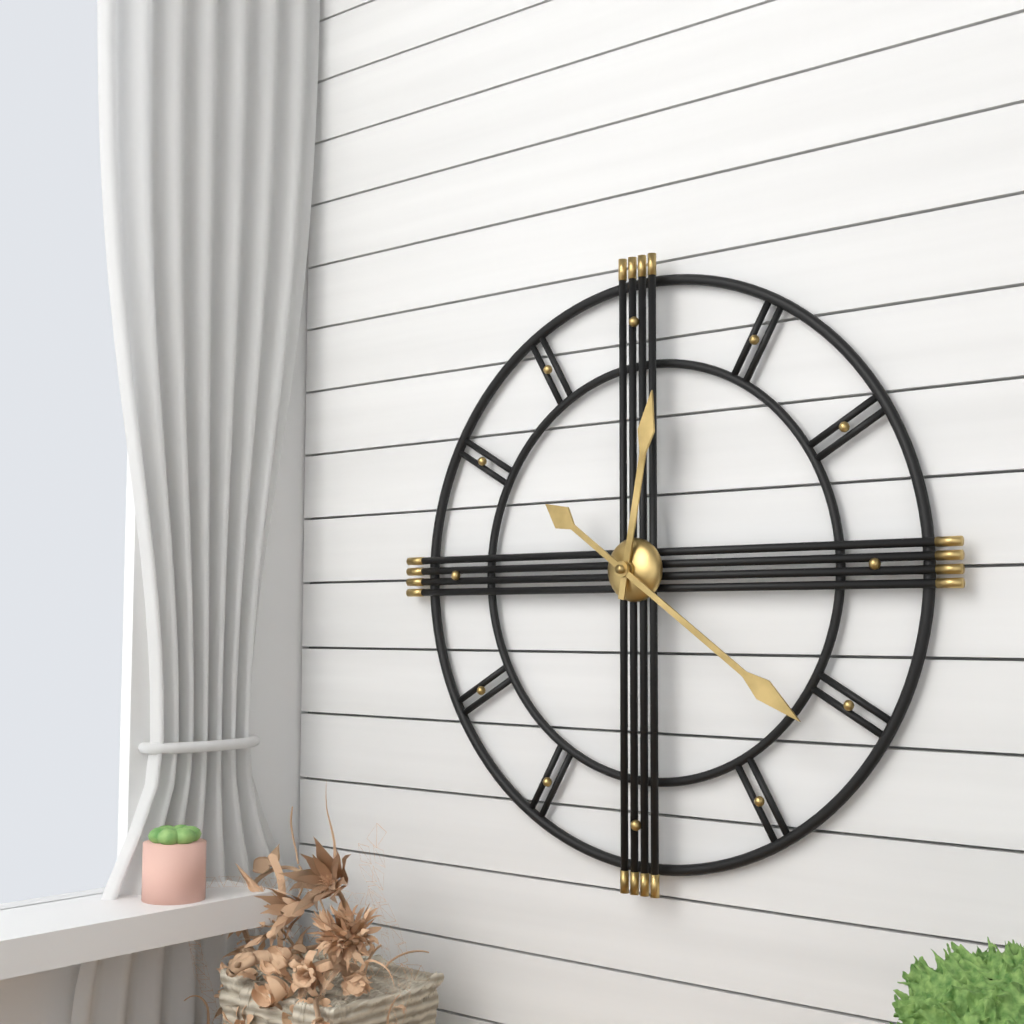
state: 12:21
